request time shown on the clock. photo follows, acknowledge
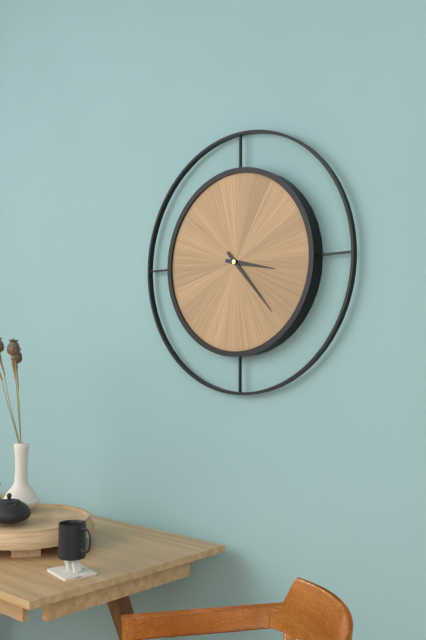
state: 3:23
